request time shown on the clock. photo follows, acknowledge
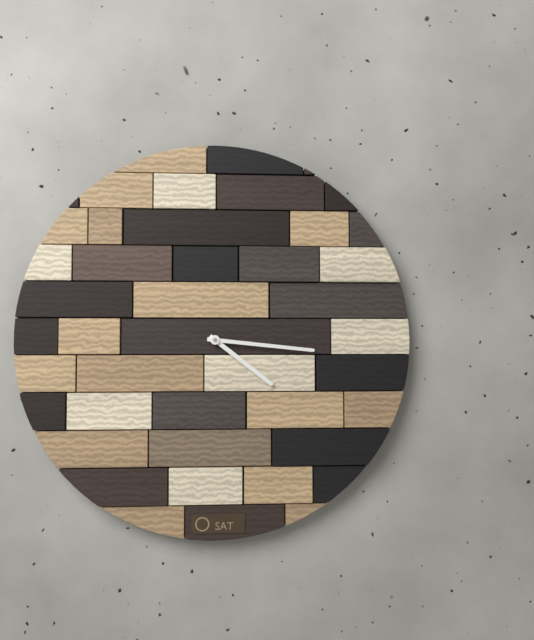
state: 4:16
